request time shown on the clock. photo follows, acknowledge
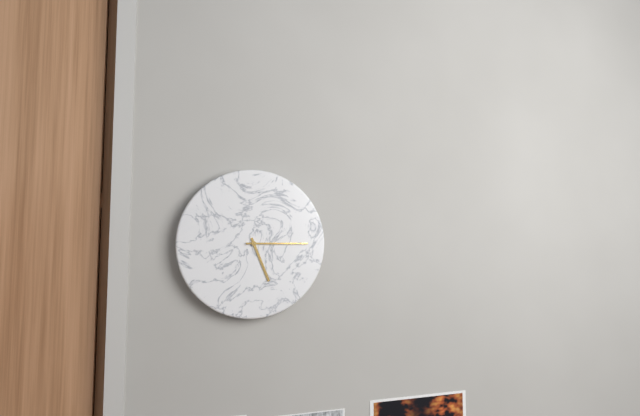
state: 5:15
